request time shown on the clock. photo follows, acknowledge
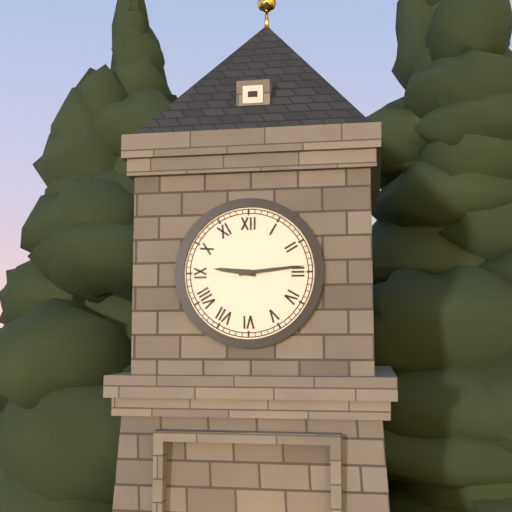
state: 9:14
